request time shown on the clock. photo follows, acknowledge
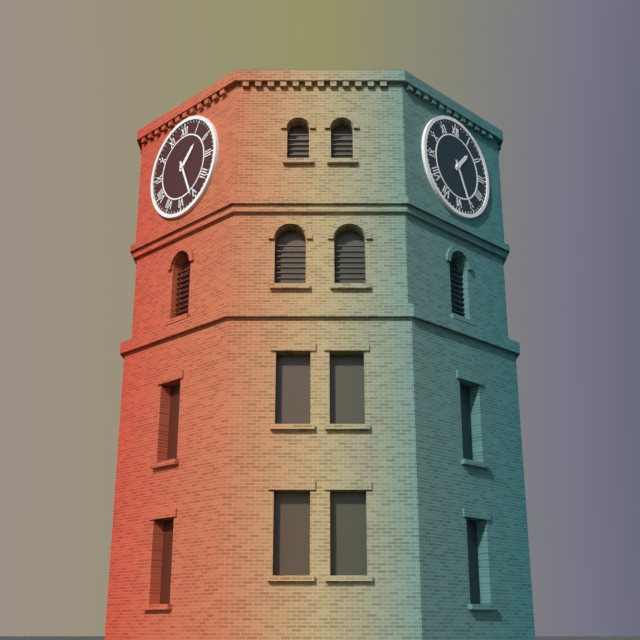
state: 1:26
